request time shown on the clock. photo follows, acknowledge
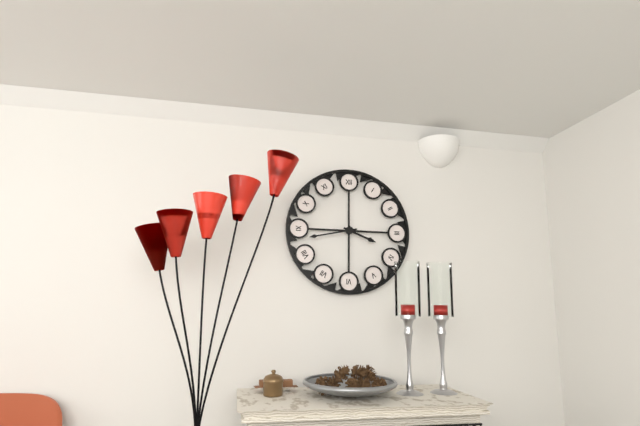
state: 3:43
